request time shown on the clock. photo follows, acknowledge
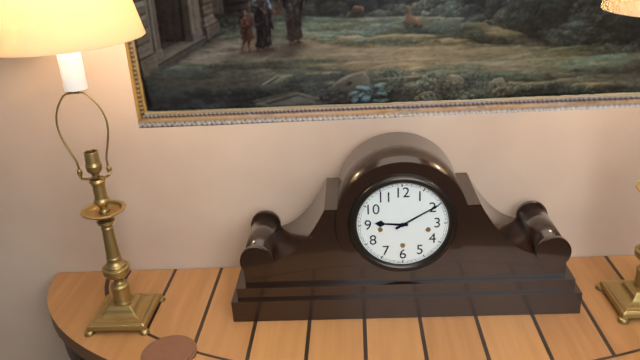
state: 9:10
